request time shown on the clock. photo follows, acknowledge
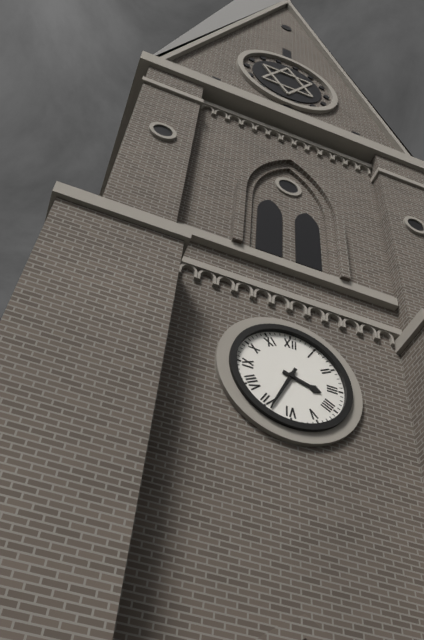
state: 3:34
